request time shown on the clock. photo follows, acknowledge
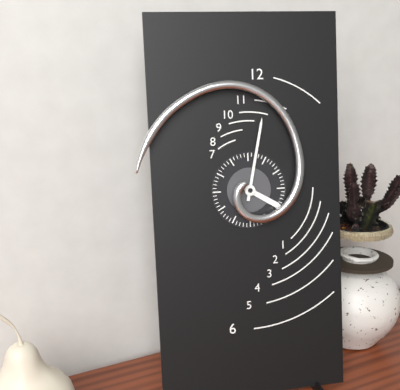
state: 4:02
